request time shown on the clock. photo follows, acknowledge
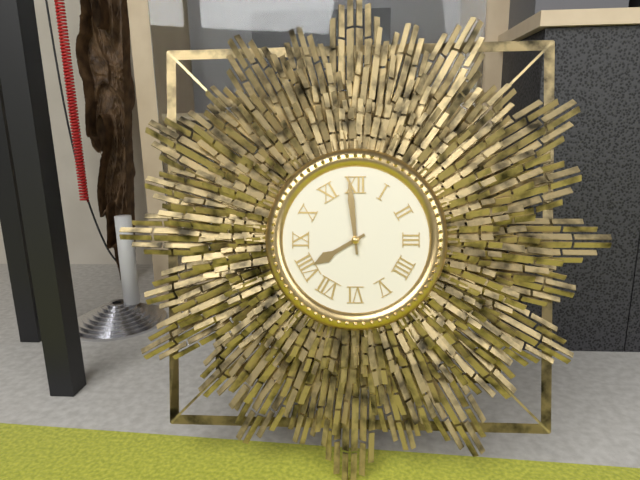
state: 7:59
